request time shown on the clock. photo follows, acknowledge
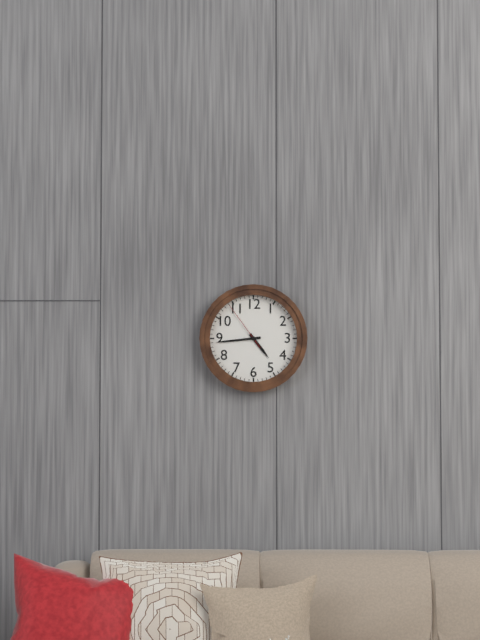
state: 4:44:54
